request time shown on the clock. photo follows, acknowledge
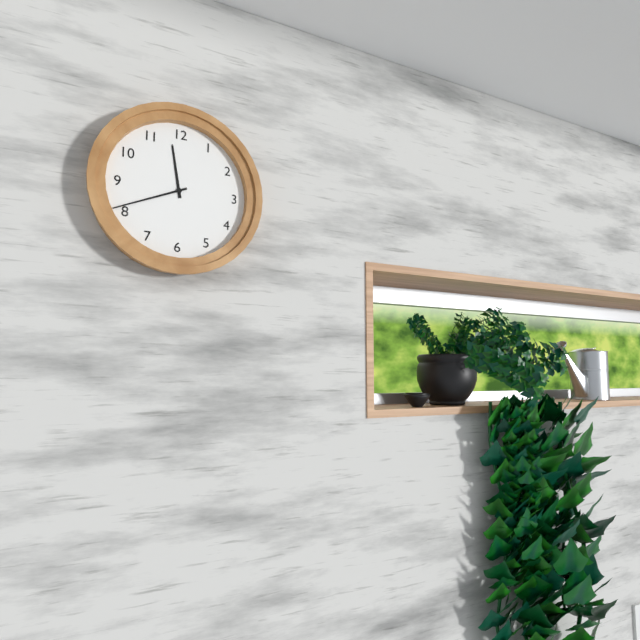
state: 11:41
